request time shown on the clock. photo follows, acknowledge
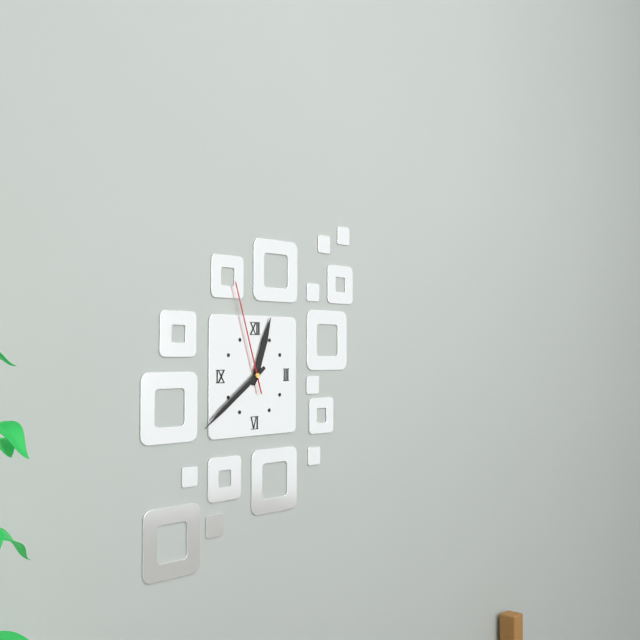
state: 12:39:57
